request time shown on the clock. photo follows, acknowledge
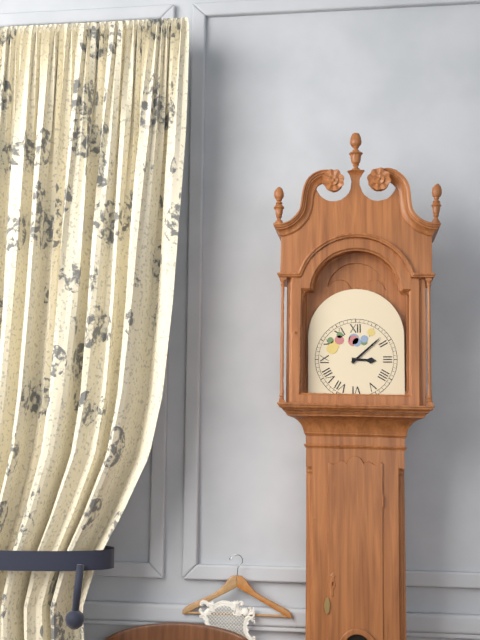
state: 3:08
